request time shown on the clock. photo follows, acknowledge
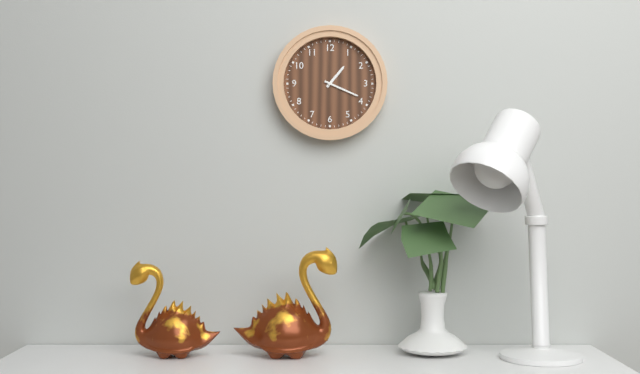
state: 1:19
